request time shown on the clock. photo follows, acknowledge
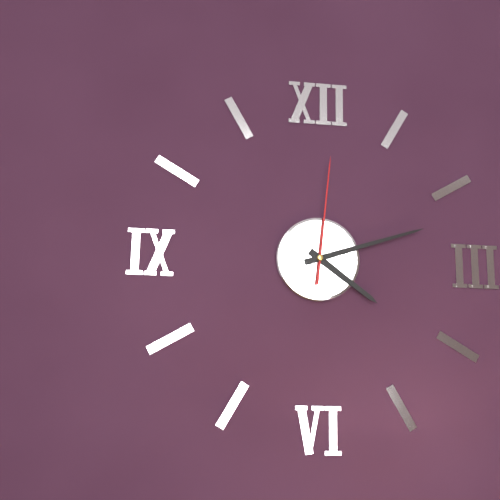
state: 4:12:01
